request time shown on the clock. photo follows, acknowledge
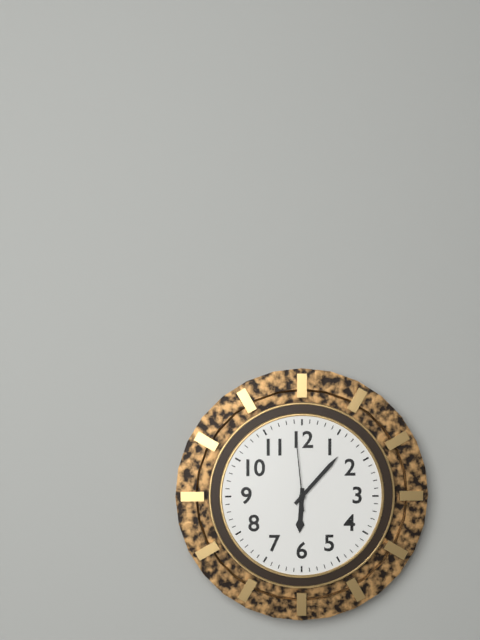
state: 6:07:59
